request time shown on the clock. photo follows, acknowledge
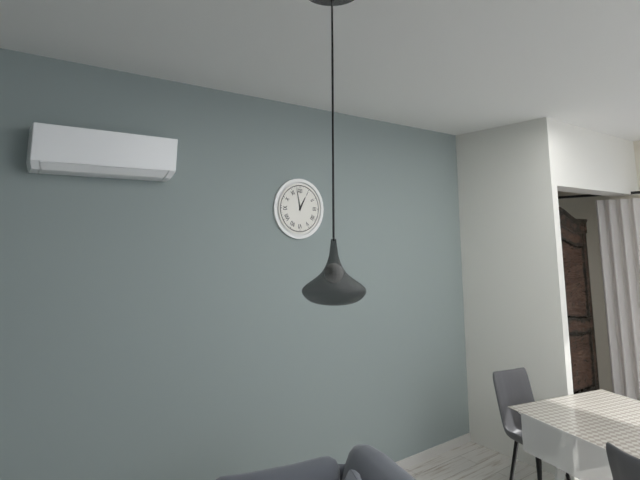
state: 12:58
